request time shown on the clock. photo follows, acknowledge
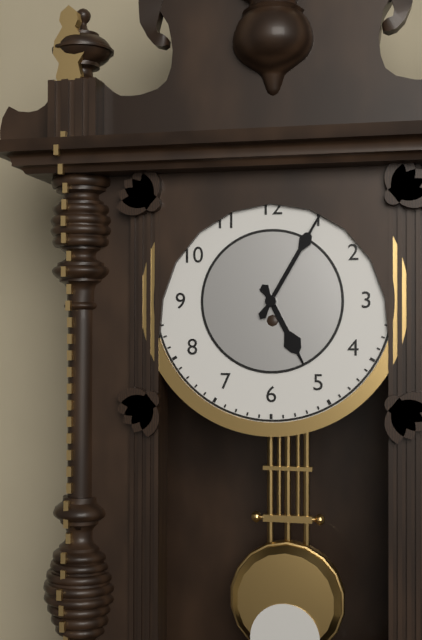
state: 5:05
